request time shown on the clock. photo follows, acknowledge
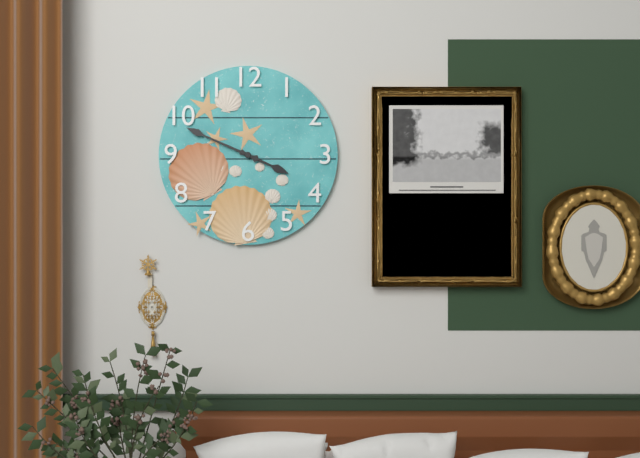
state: 3:49
